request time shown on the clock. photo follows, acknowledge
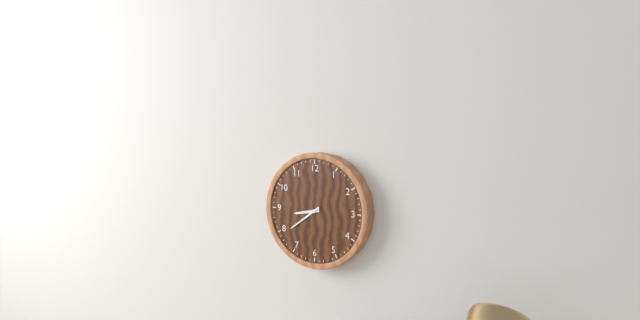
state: 8:39
